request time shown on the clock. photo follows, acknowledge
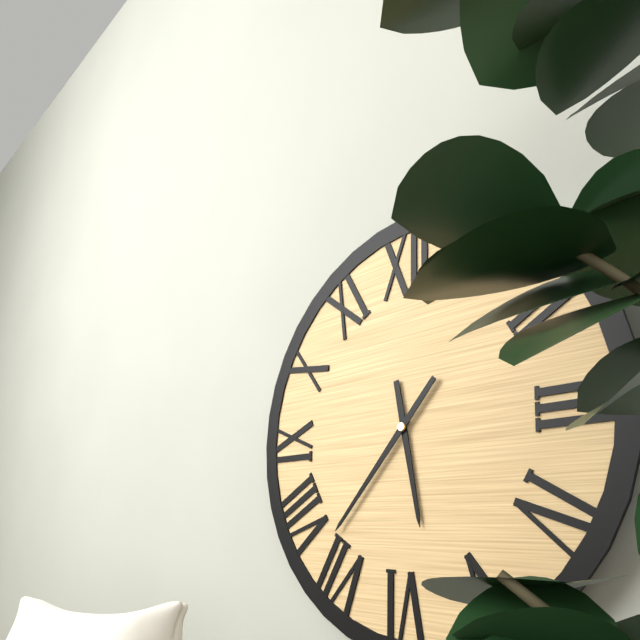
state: 5:37
